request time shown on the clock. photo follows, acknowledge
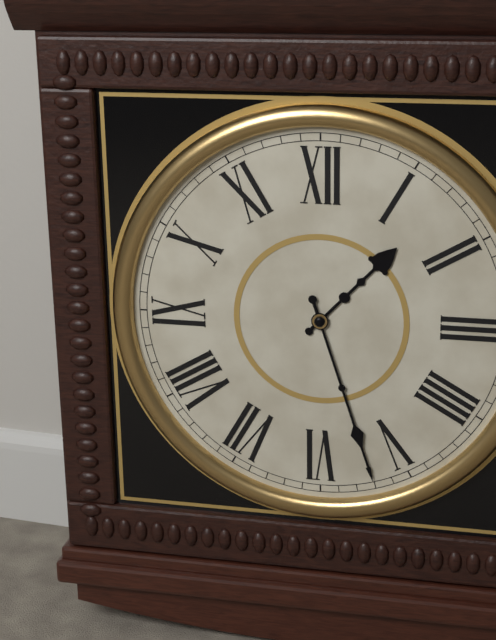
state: 1:27
